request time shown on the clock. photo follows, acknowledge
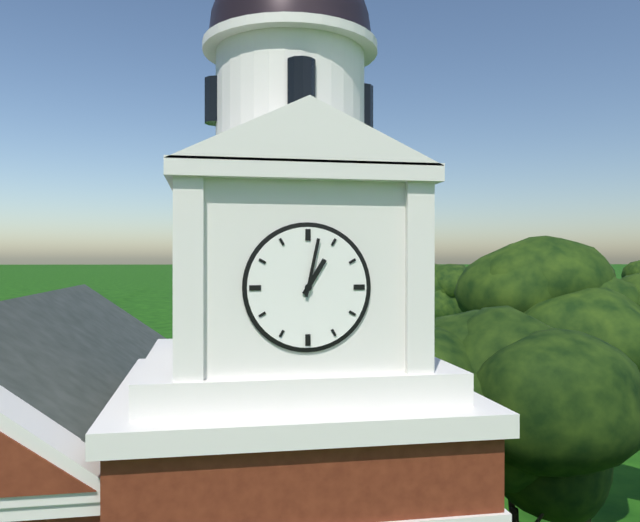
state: 1:02
